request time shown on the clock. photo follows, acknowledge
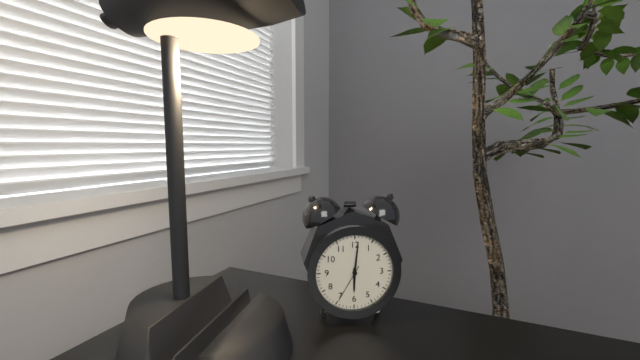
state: 6:01
